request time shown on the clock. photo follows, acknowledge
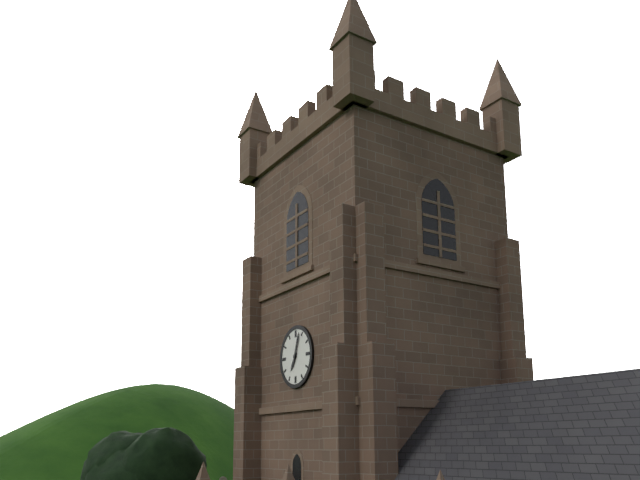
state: 7:03
